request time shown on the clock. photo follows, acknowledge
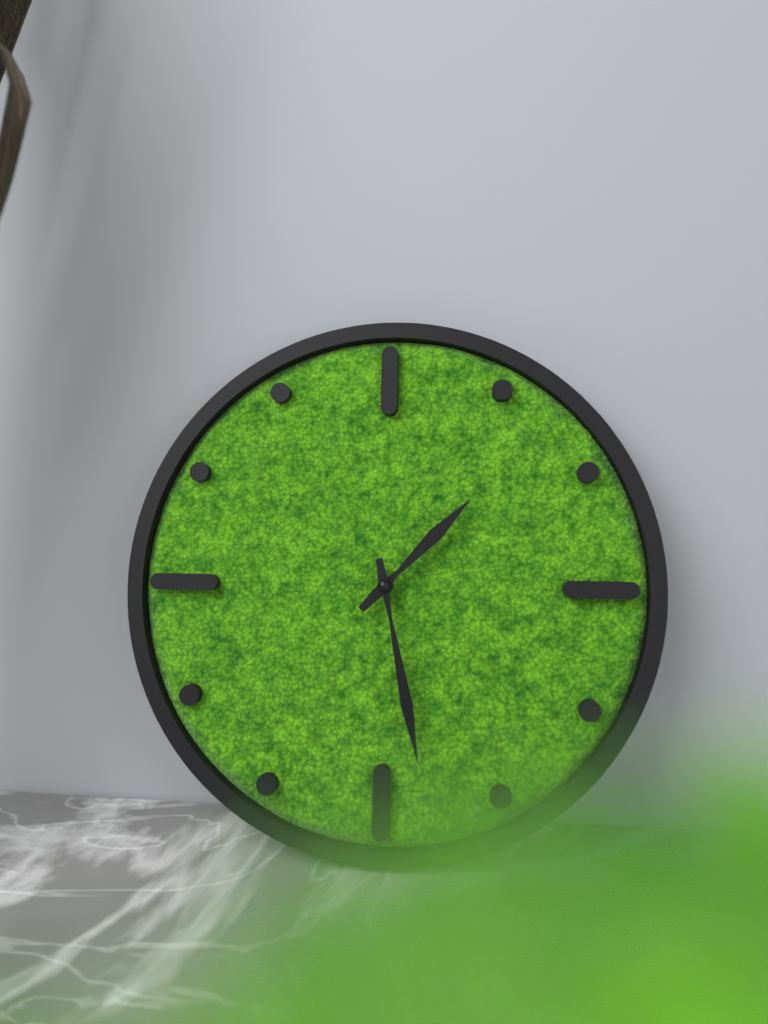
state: 1:28
